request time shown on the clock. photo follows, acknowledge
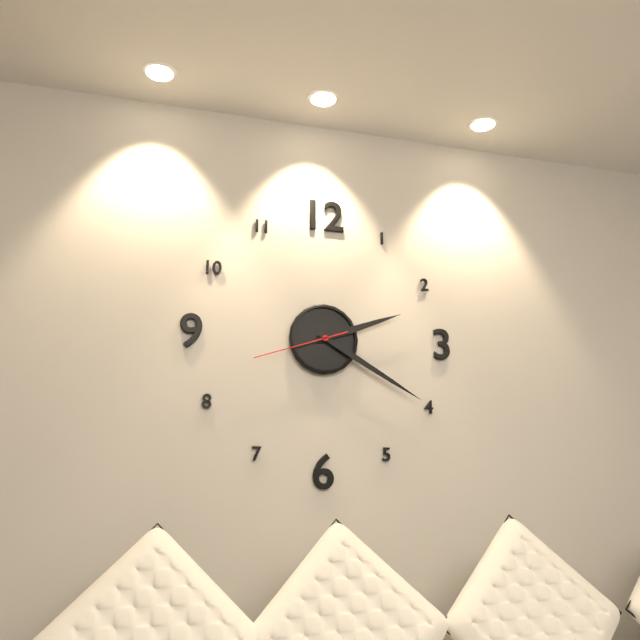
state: 2:20:42
